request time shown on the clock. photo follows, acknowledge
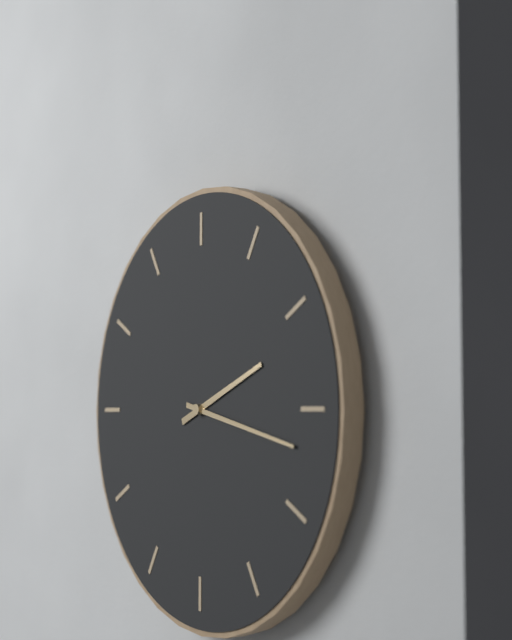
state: 2:17
